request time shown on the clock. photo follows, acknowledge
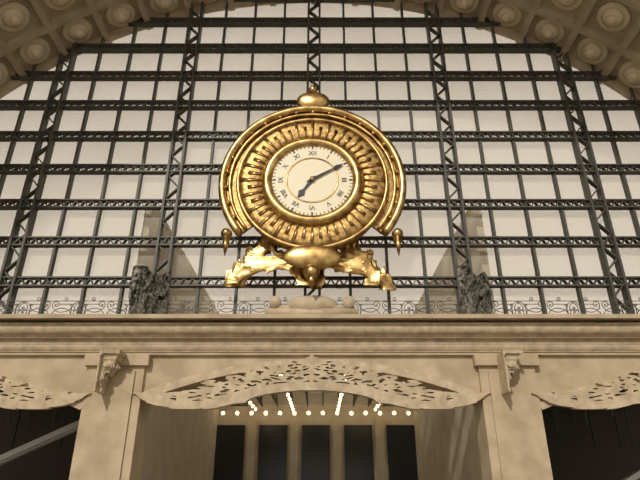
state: 7:10
